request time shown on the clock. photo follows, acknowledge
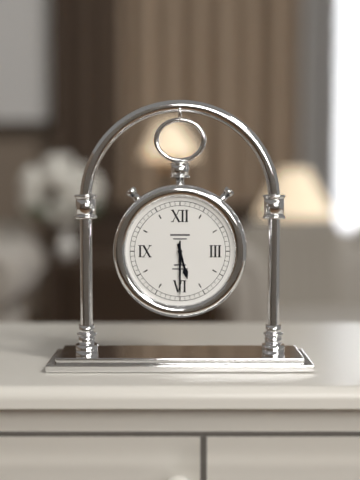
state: 5:30
